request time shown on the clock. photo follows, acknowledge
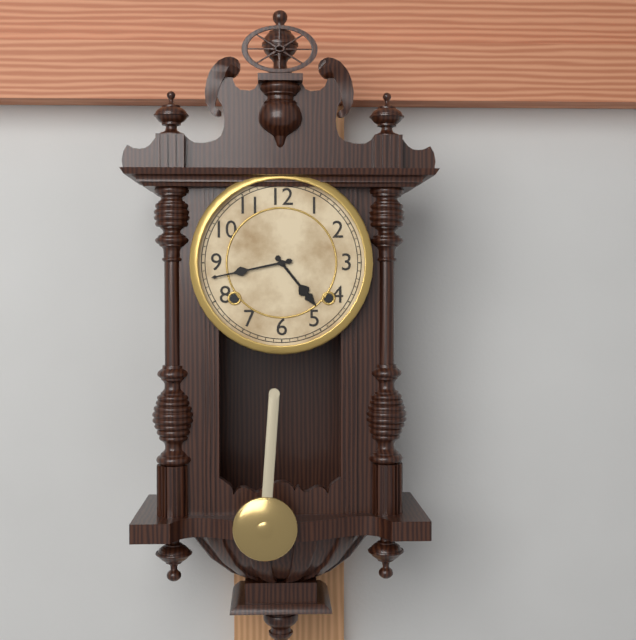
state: 4:43
